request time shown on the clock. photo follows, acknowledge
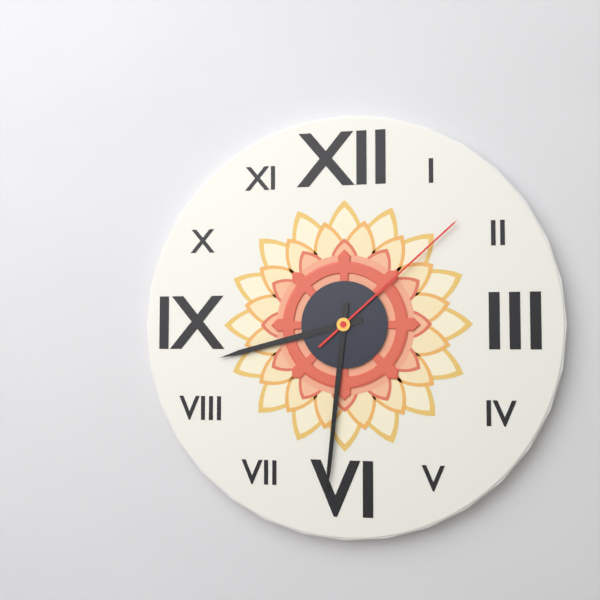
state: 8:31:08
